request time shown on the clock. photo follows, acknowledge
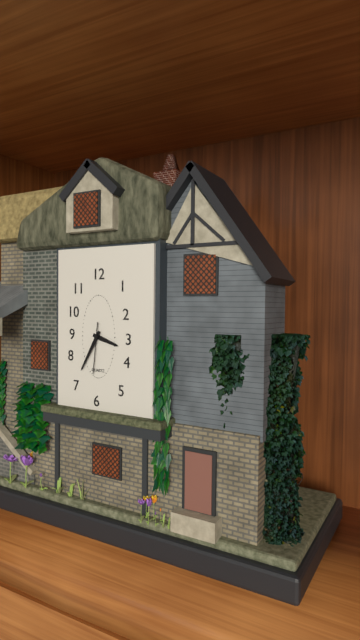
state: 3:35
